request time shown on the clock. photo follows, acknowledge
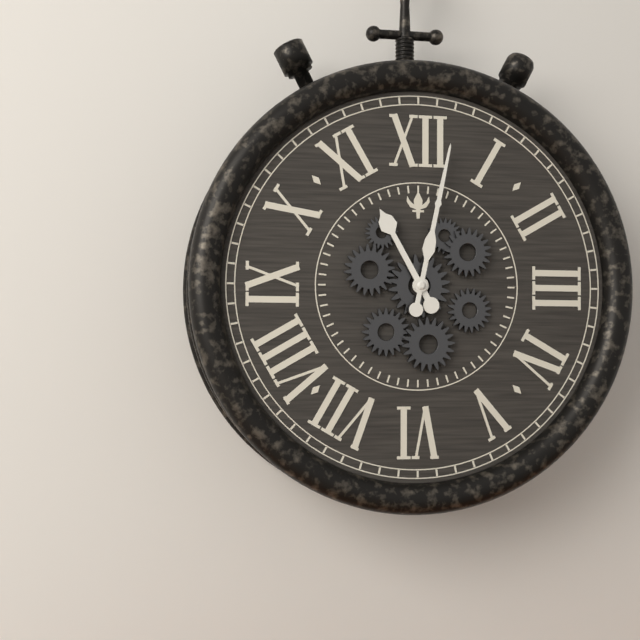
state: 11:02
